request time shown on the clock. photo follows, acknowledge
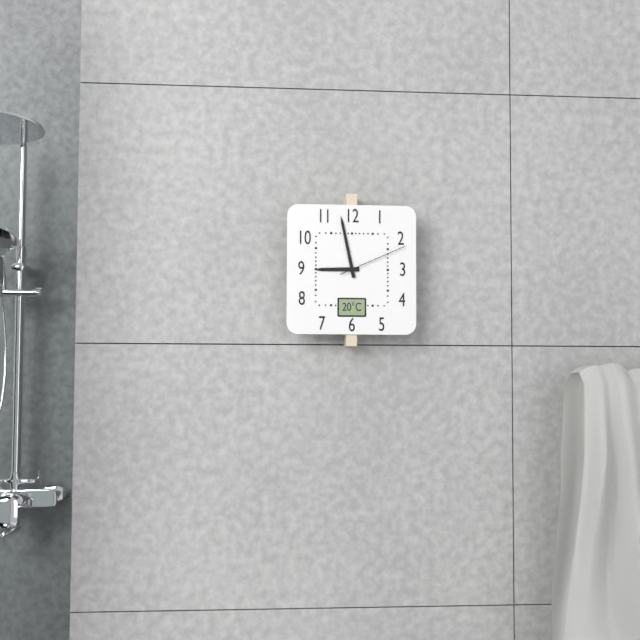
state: 8:58:11
